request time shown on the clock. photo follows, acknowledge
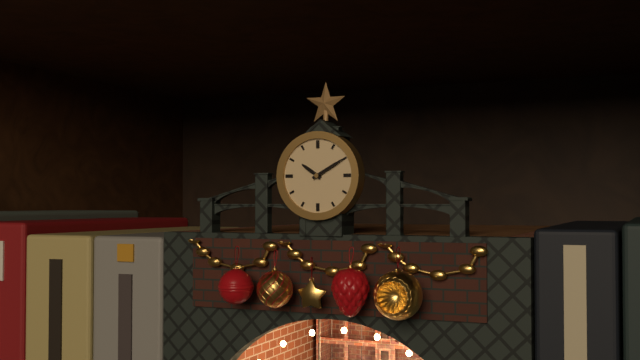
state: 10:10
